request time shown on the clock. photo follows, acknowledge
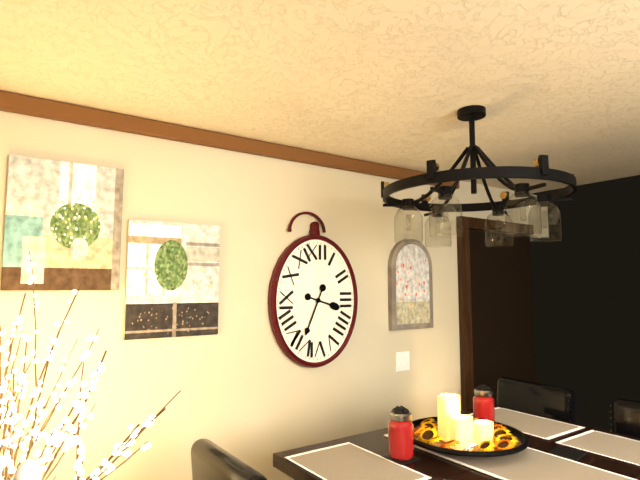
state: 3:34
